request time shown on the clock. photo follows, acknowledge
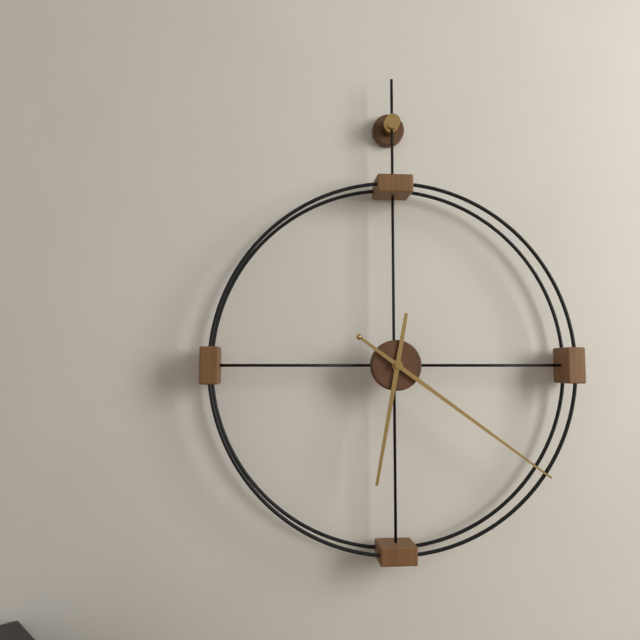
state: 6:21
